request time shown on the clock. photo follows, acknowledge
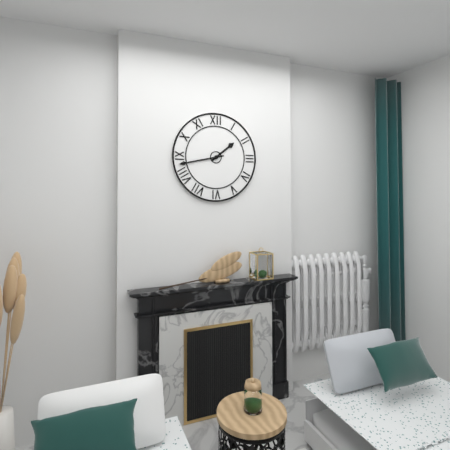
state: 1:43
